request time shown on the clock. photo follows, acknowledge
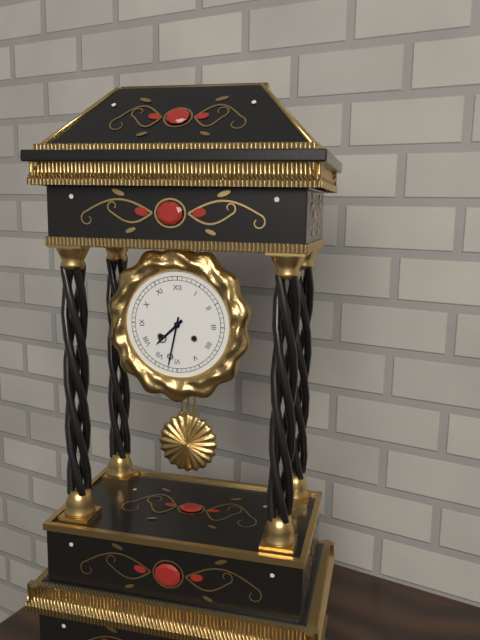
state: 7:32
